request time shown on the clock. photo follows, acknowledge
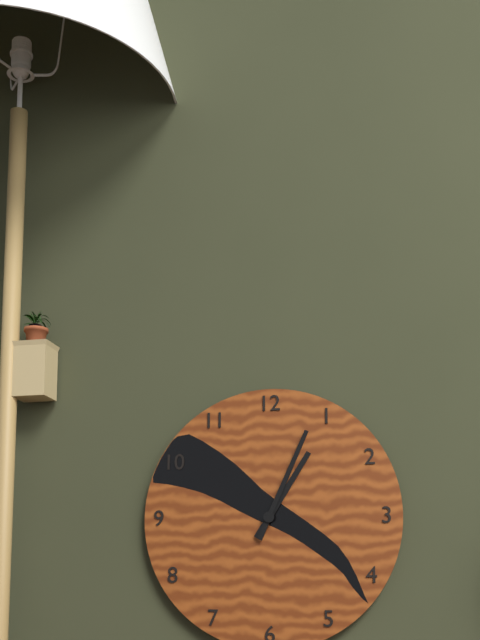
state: 1:04
